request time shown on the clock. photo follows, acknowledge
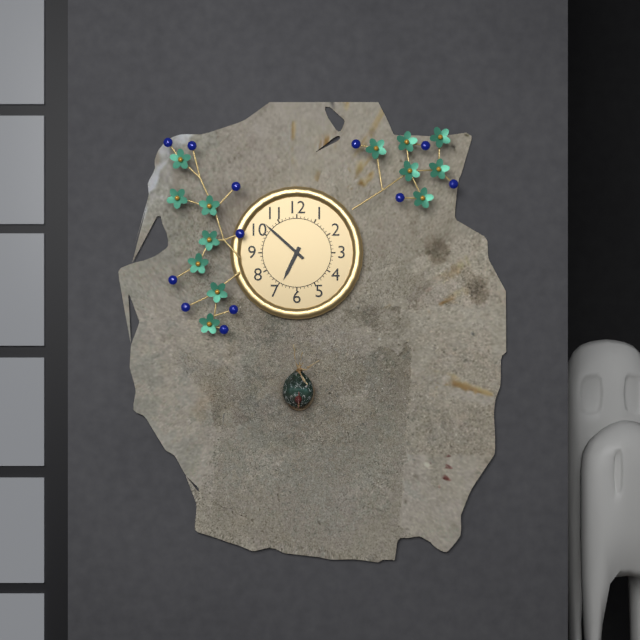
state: 6:52
